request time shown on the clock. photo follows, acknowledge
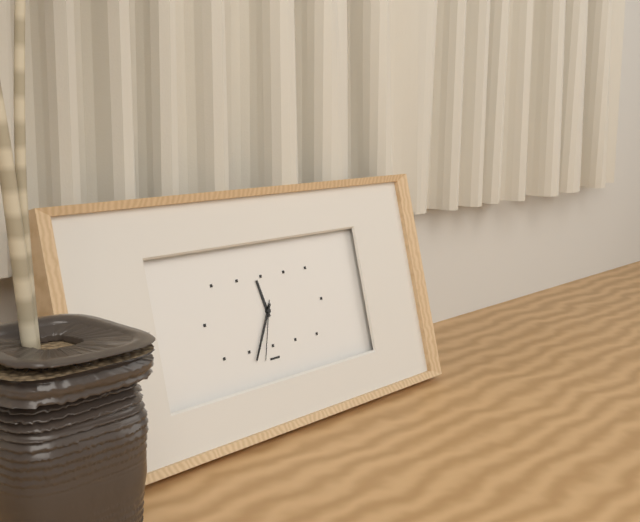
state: 11:35:33
